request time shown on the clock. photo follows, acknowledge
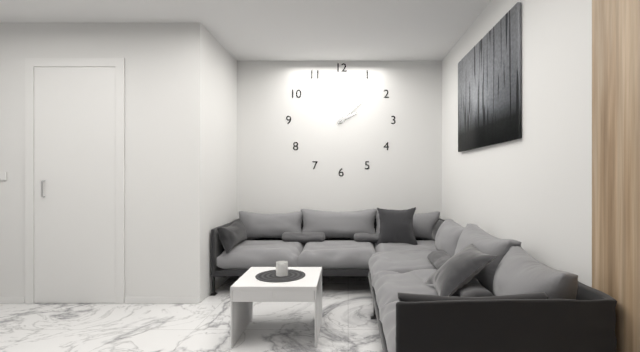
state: 2:08
